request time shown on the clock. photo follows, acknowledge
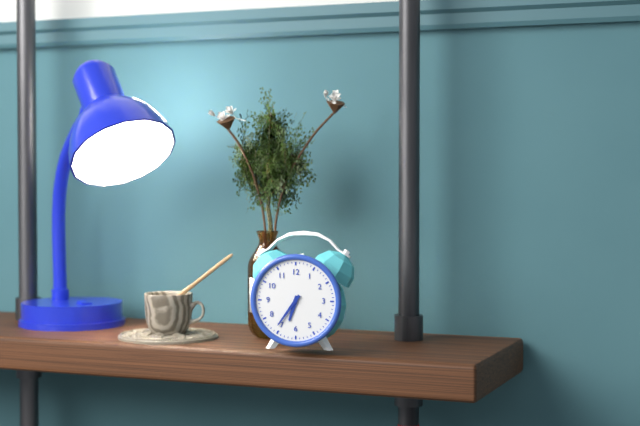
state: 6:36
